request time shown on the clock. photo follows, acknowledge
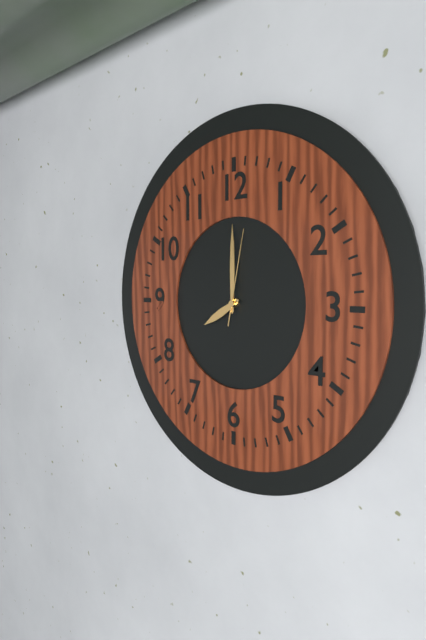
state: 8:00:02
